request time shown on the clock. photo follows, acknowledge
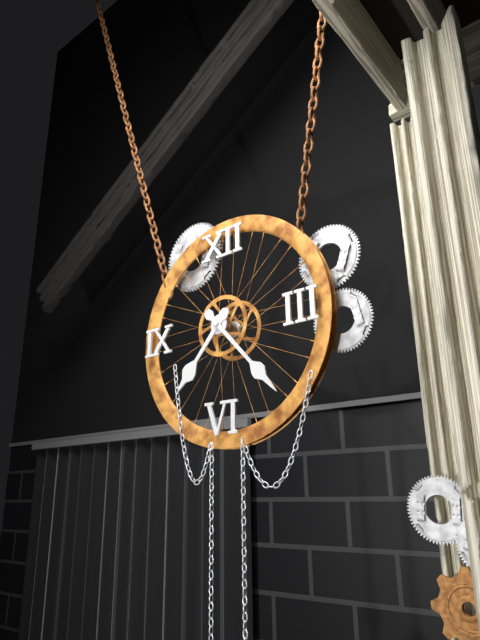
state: 7:23
